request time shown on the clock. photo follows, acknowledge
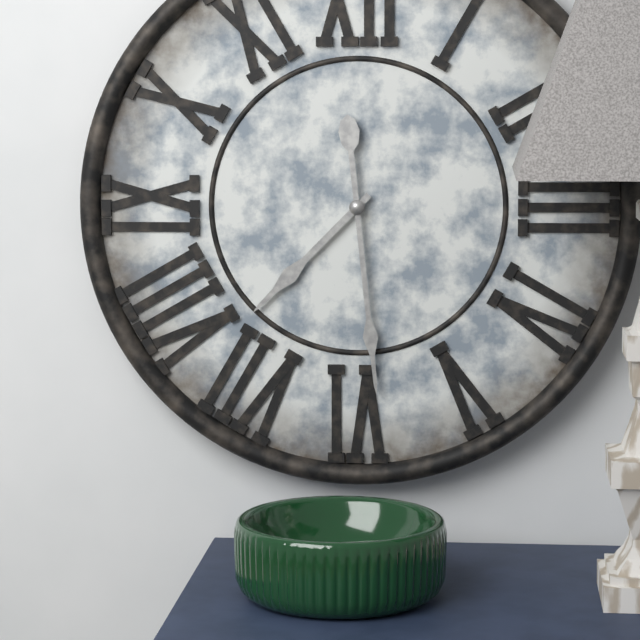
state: 7:29
